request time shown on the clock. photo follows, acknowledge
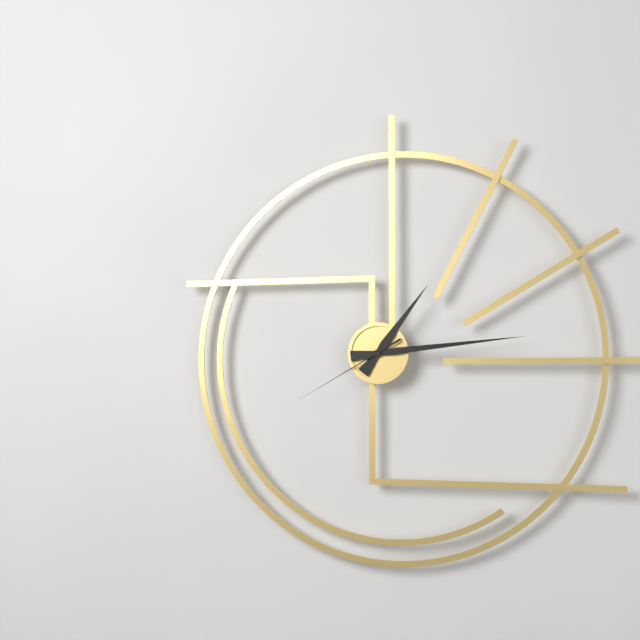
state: 1:14:40
